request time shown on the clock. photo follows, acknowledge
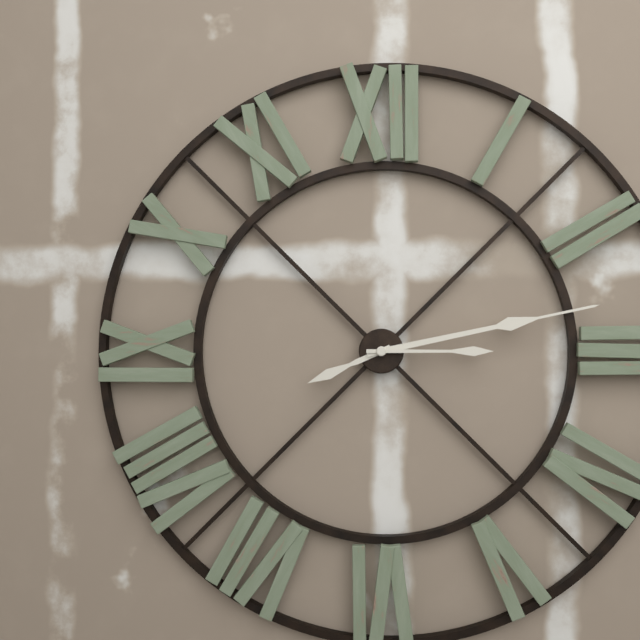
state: 8:13:15
